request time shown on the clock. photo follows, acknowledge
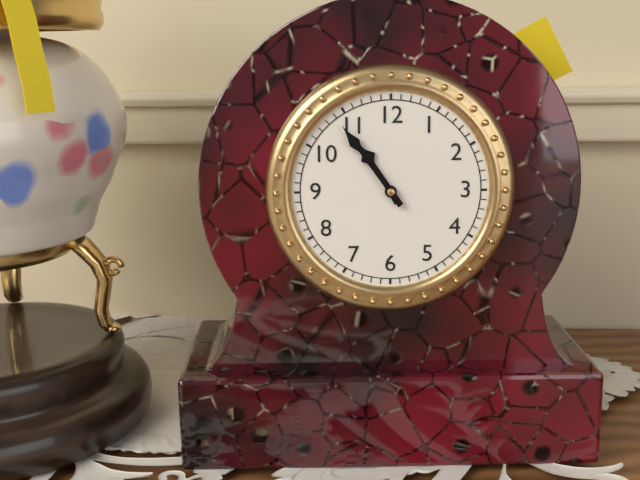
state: 10:54
